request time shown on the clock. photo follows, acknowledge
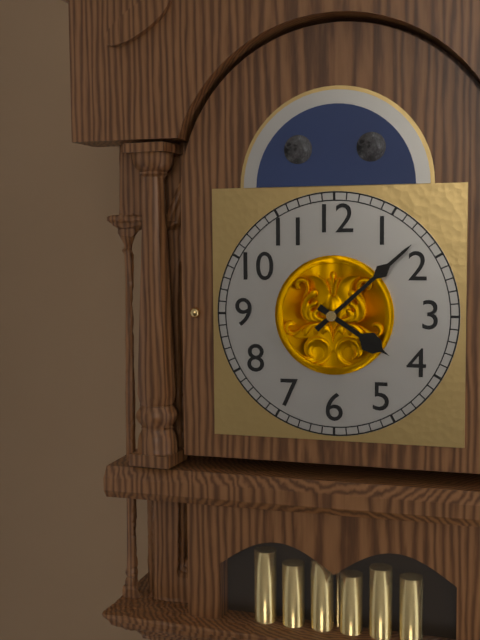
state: 4:08
